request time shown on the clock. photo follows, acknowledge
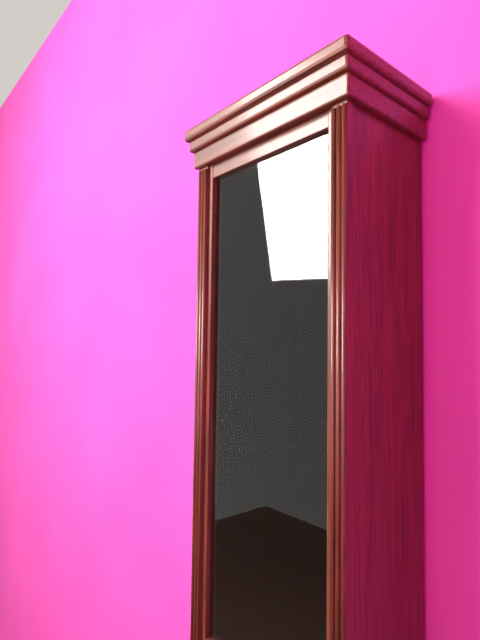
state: 4:16
